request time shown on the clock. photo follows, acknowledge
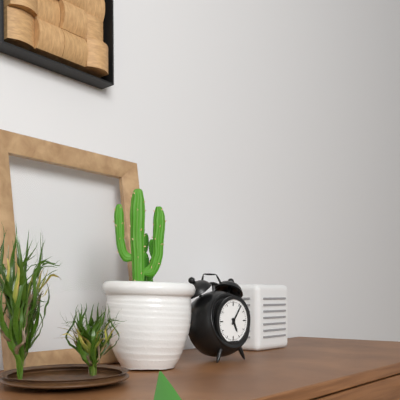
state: 5:06
